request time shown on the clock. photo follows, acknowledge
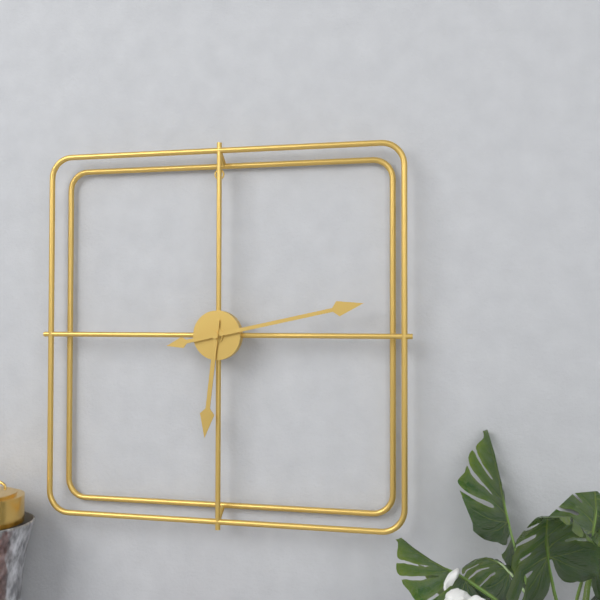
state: 6:13
